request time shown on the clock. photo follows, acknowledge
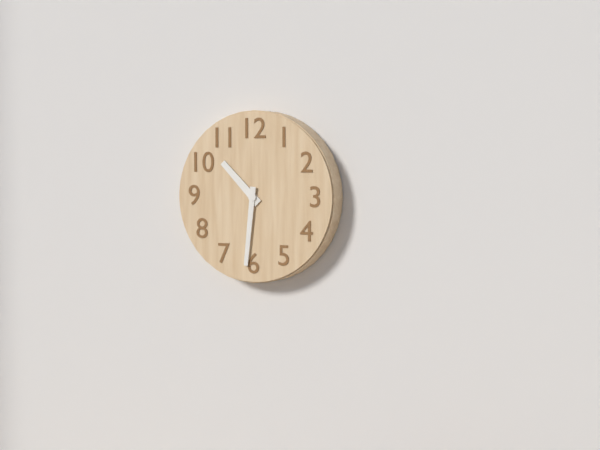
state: 10:31
